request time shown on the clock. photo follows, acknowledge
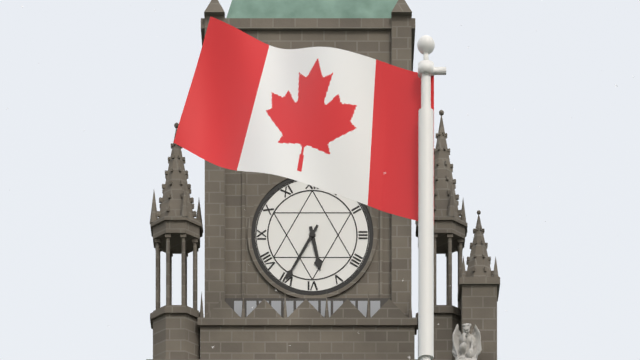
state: 5:35
